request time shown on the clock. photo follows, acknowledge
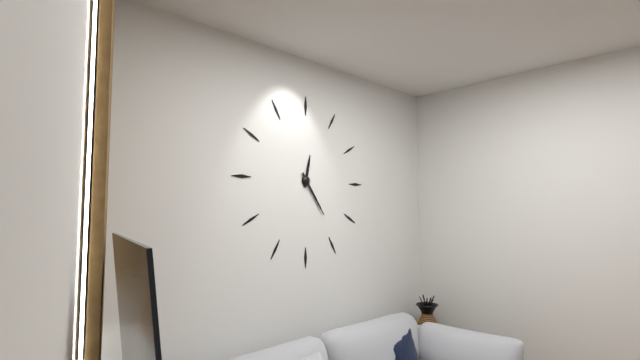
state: 12:24
